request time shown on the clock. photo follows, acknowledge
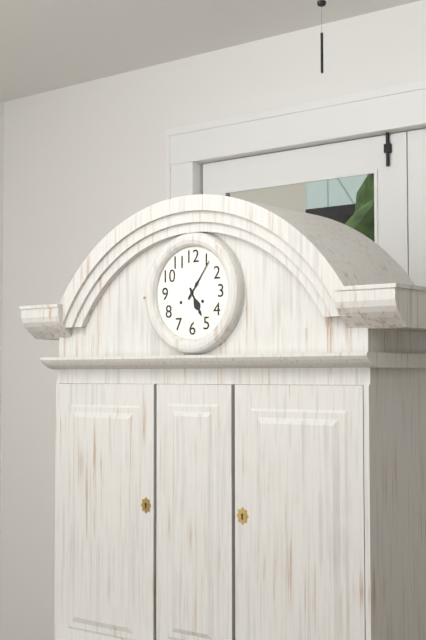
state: 5:06
